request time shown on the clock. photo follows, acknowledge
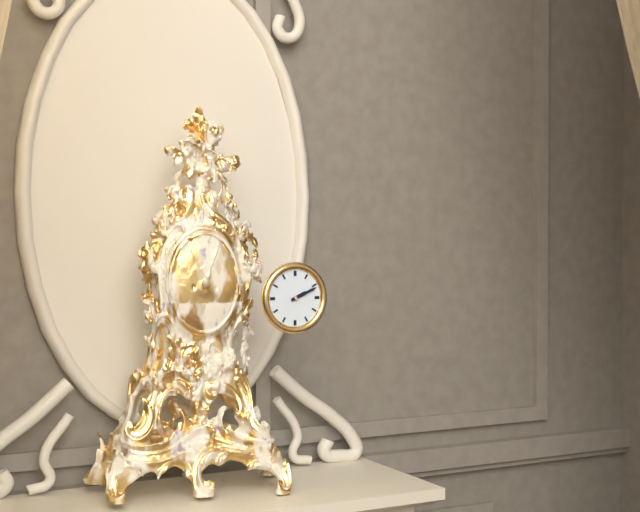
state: 2:11
